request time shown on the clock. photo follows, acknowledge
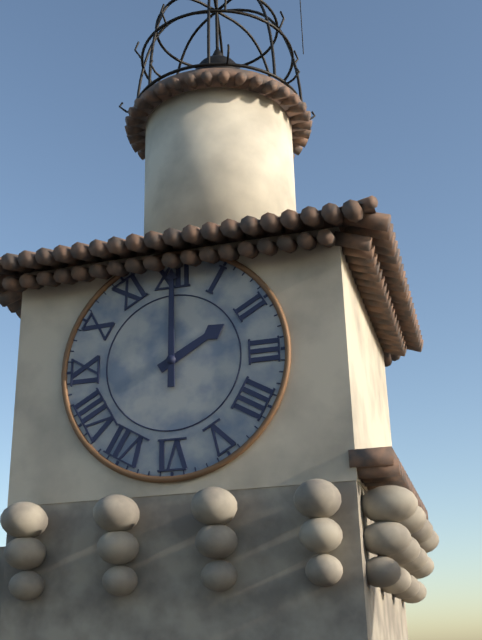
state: 2:00
